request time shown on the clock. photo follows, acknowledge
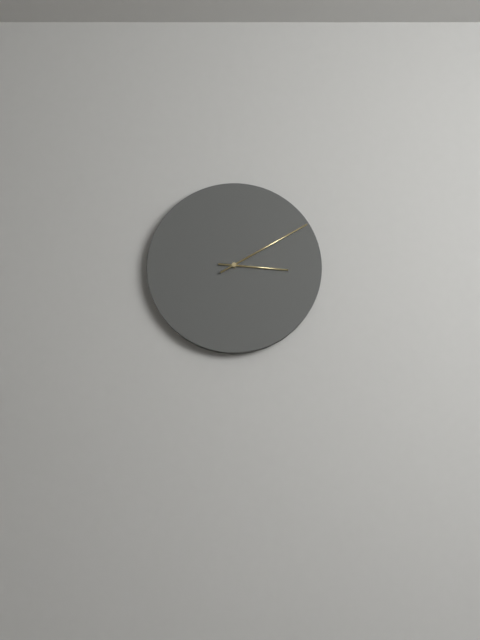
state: 3:10
